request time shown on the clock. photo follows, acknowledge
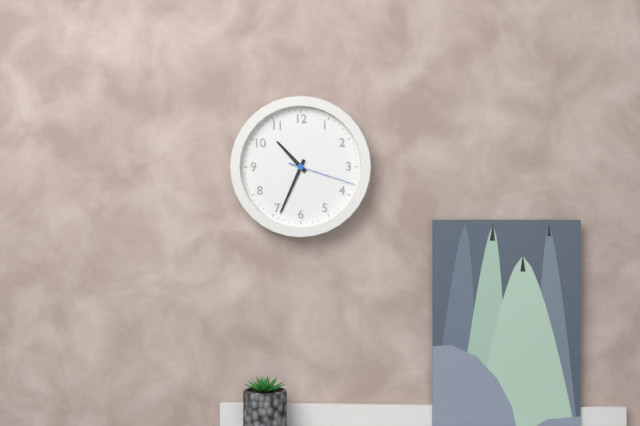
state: 10:34:18
